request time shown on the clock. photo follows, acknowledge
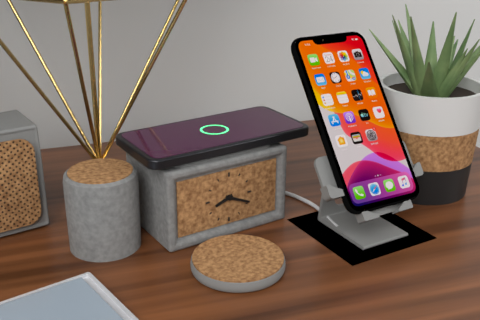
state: 8:19
